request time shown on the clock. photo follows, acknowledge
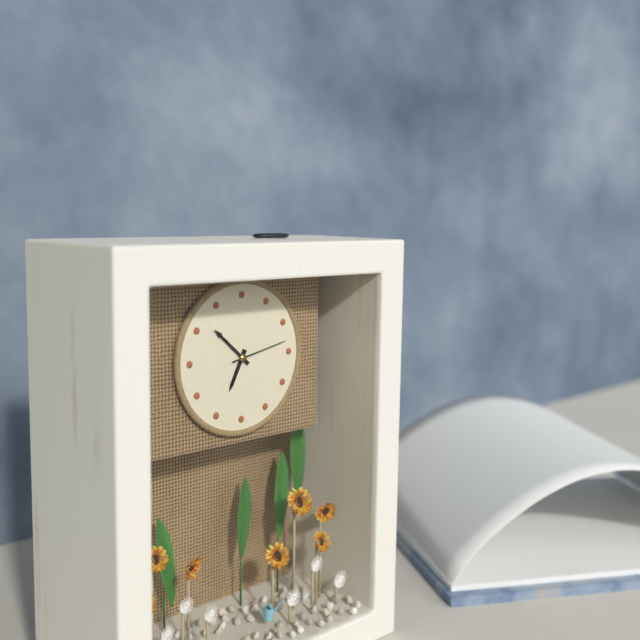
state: 6:52:13
